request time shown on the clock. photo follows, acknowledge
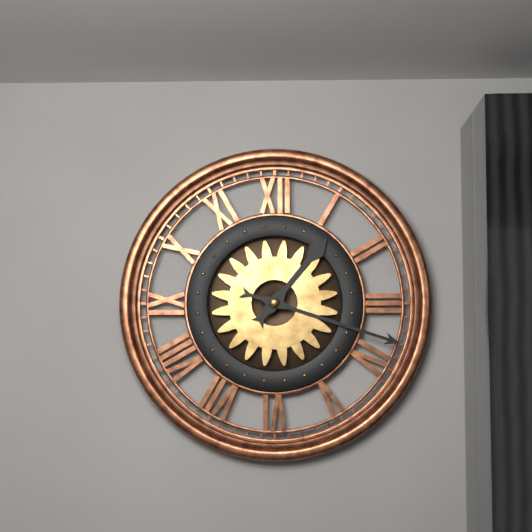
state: 1:18
